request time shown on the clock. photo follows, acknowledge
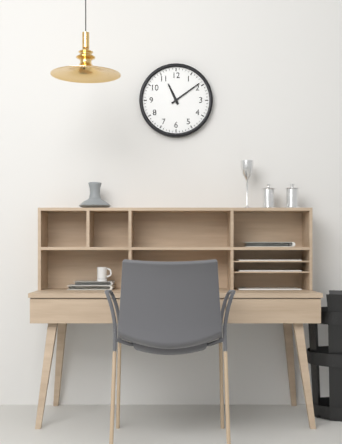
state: 11:09
